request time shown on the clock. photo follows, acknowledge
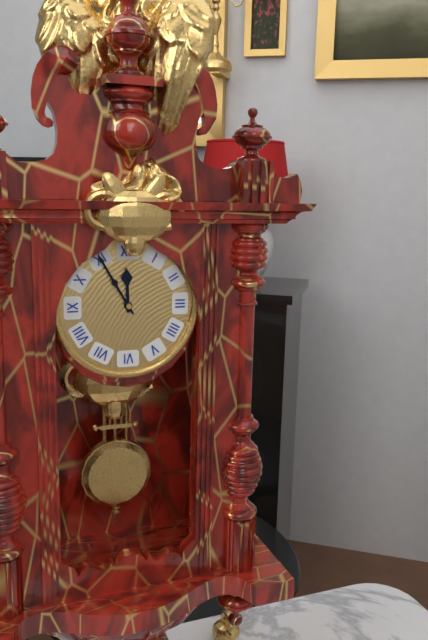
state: 11:55
